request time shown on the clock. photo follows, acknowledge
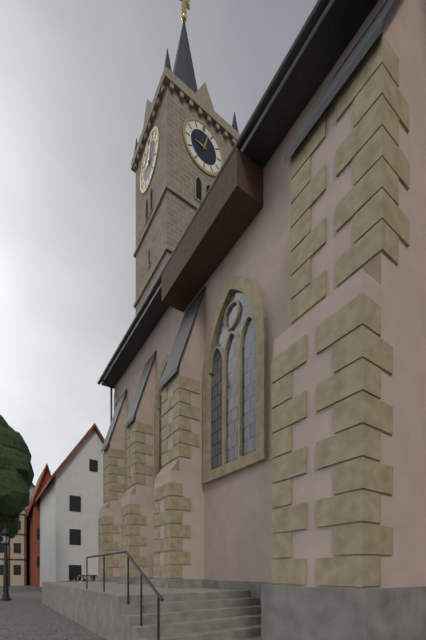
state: 9:03
